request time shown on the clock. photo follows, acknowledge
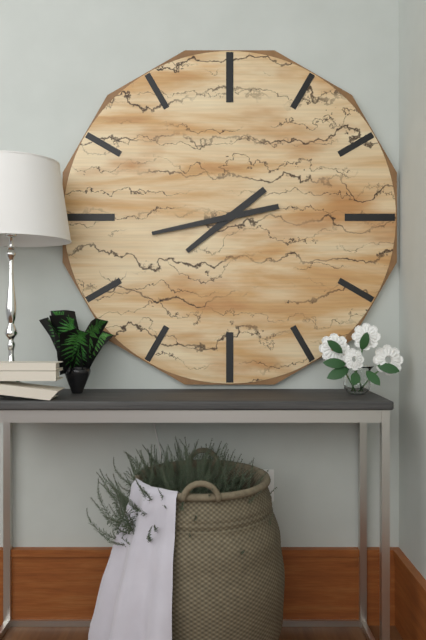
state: 7:43
